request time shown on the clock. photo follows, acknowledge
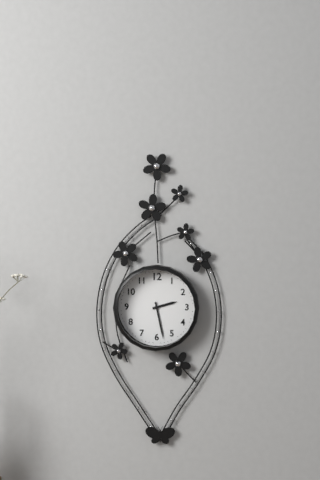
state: 2:28
